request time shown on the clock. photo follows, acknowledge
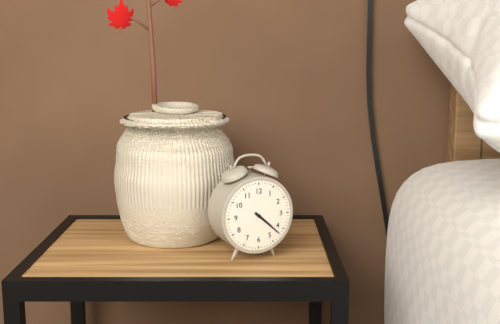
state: 4:22
